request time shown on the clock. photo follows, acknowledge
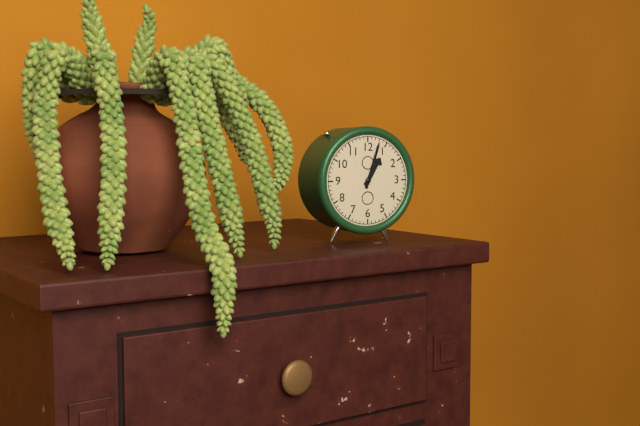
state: 1:03
